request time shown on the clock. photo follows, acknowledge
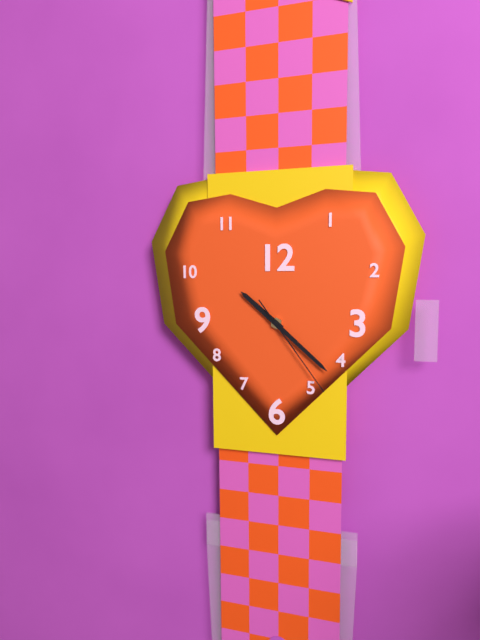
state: 10:22:24
